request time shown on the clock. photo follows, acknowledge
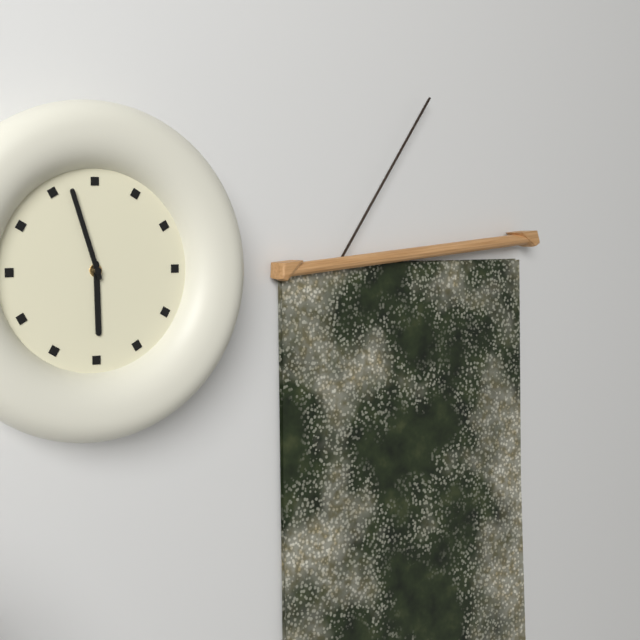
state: 5:57
